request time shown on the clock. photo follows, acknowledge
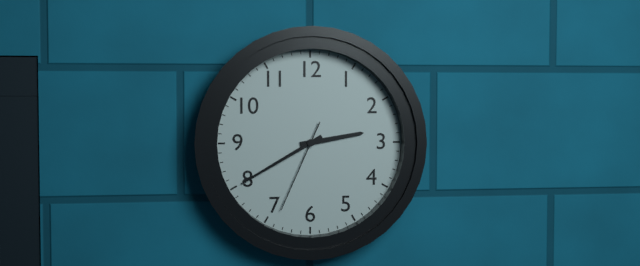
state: 2:40:34
